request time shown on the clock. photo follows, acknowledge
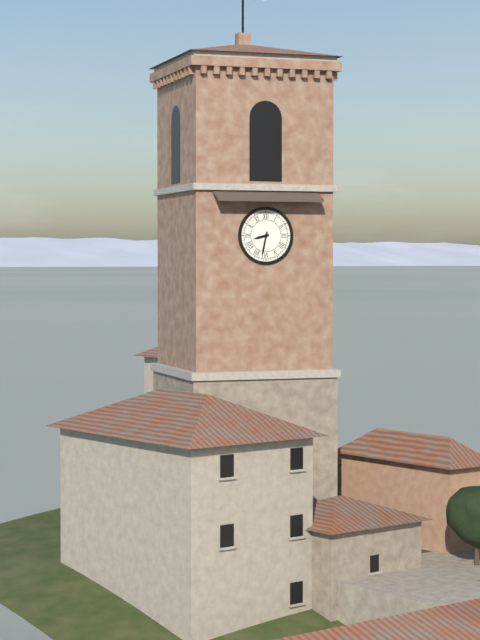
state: 8:32
